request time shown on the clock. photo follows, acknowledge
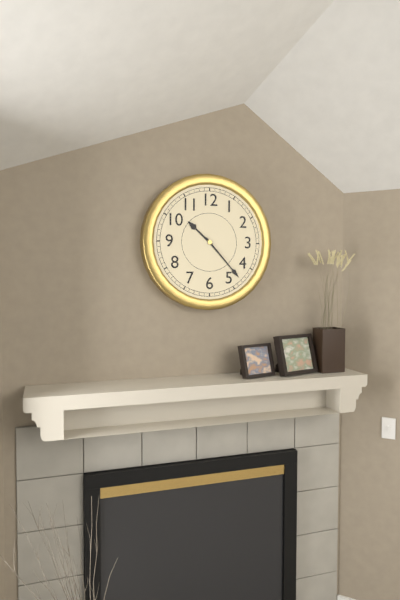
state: 10:23
